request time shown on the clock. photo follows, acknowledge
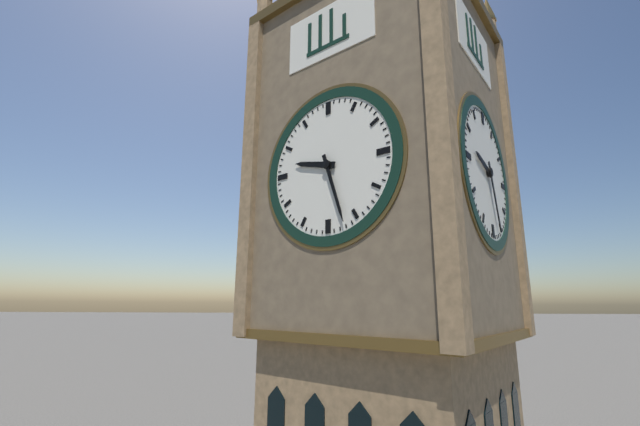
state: 9:27
